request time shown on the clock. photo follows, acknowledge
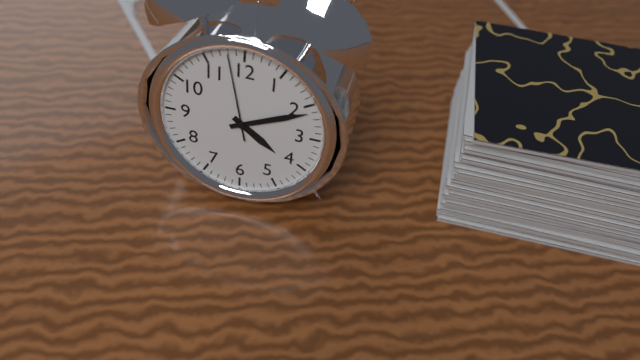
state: 4:11:58
